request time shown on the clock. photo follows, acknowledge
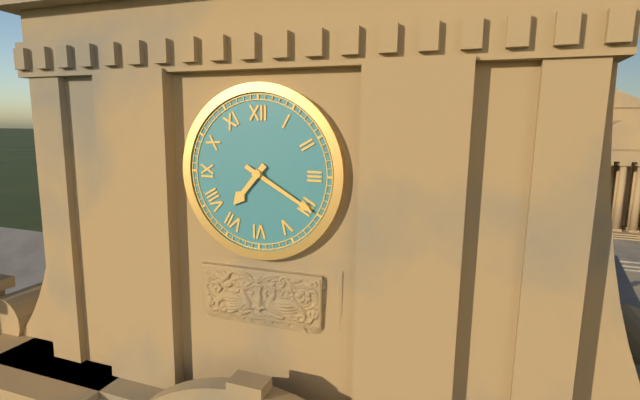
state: 7:20
